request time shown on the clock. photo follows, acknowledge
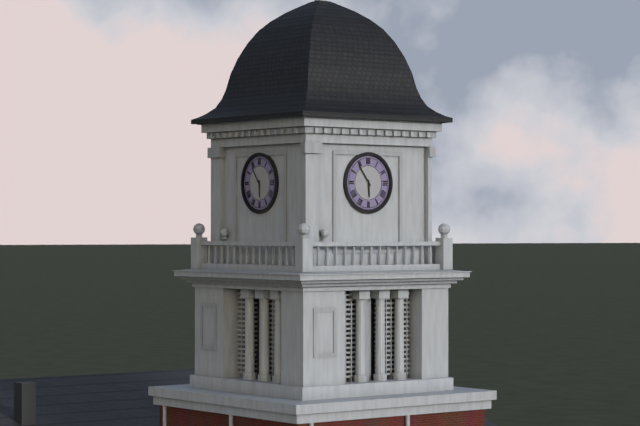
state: 5:54
